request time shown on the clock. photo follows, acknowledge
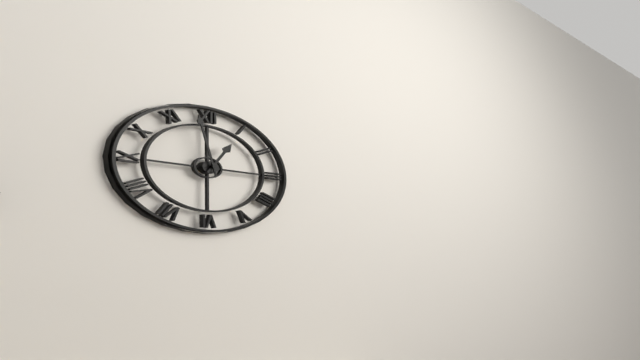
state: 12:58
